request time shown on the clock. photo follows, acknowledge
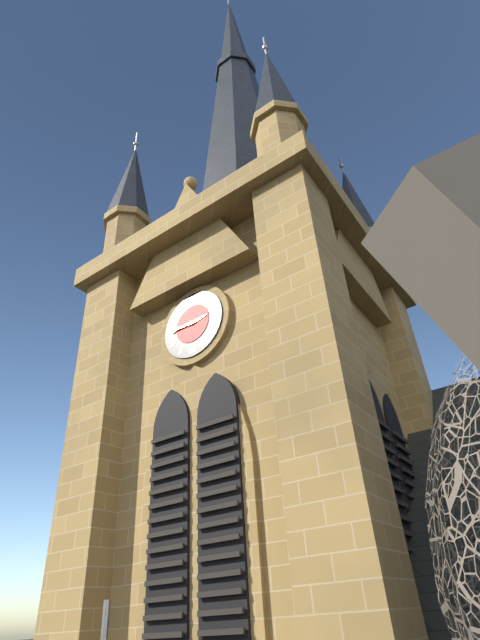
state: 2:45
